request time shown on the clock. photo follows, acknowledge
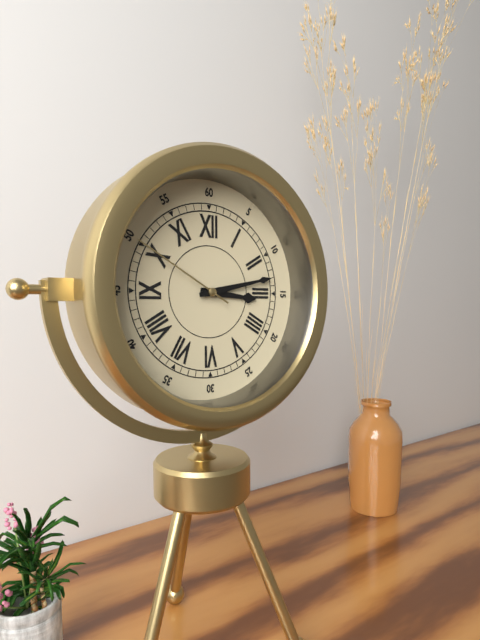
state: 3:13:50
